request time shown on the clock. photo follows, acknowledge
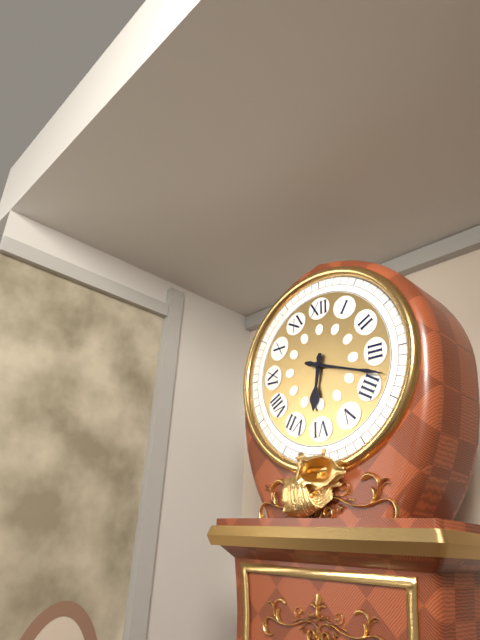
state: 6:18
